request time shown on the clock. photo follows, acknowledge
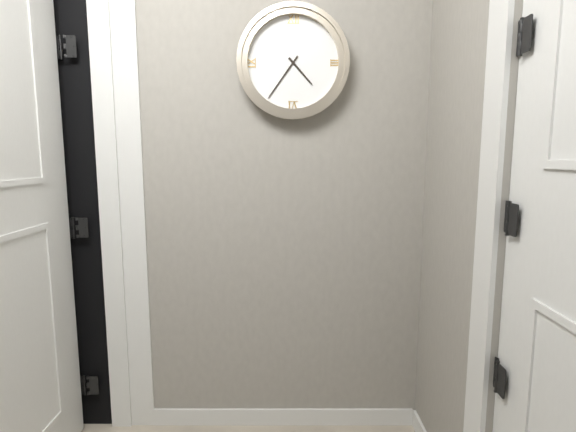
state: 4:36
